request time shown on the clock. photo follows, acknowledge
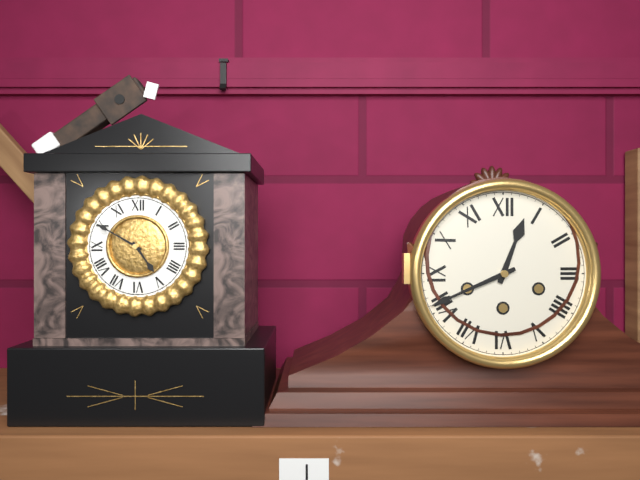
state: 12:41
